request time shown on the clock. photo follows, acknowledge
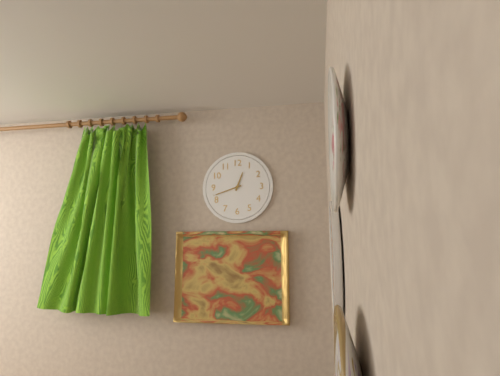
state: 12:42
